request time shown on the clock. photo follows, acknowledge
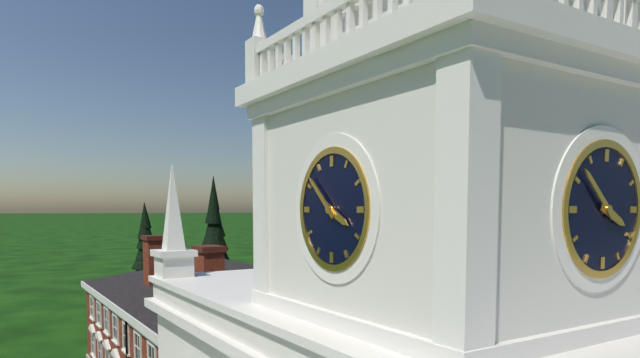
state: 3:52
